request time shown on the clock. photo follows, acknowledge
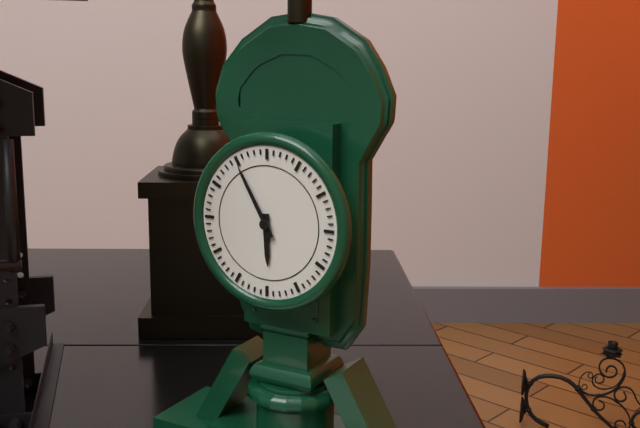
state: 5:55
